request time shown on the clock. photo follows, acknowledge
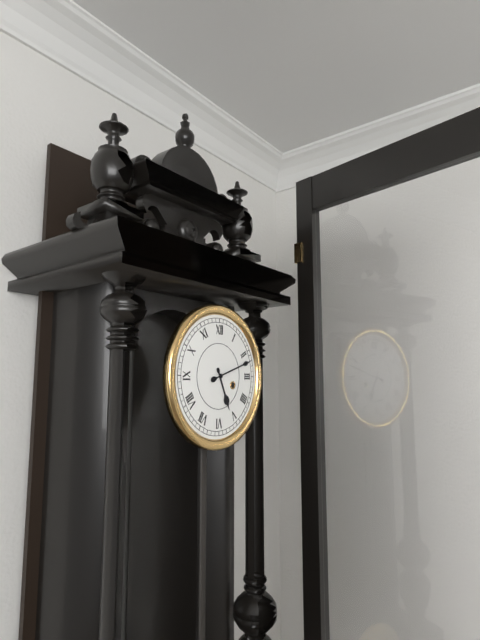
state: 5:12
